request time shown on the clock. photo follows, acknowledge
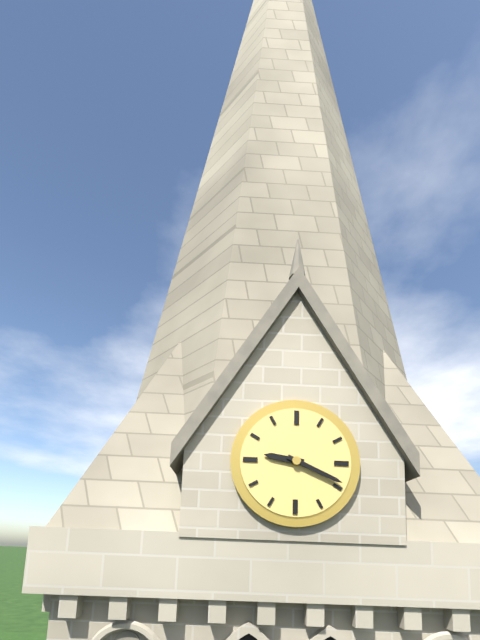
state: 9:19
